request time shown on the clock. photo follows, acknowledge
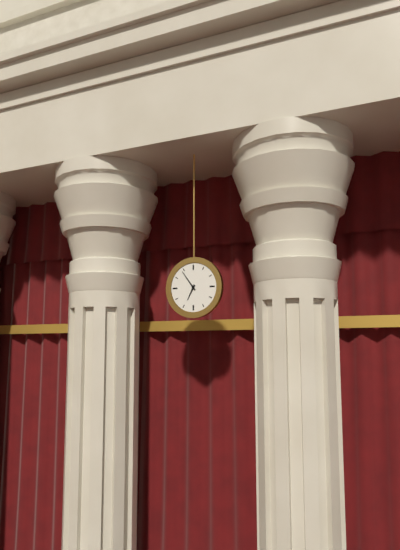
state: 6:54
